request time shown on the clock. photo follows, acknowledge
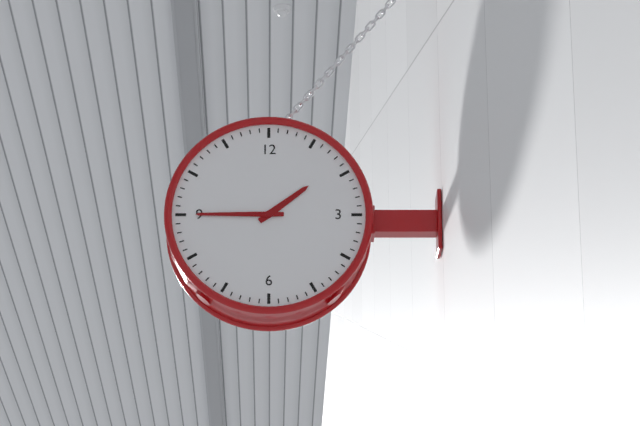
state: 1:45
